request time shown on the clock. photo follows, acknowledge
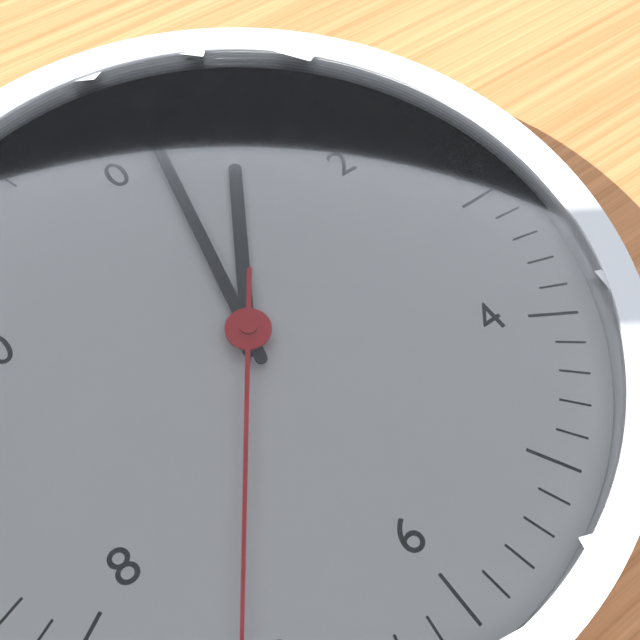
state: 1:02
